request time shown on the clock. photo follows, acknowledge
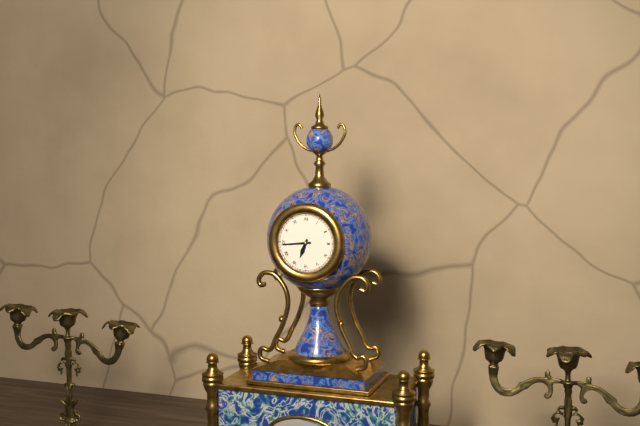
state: 6:44
